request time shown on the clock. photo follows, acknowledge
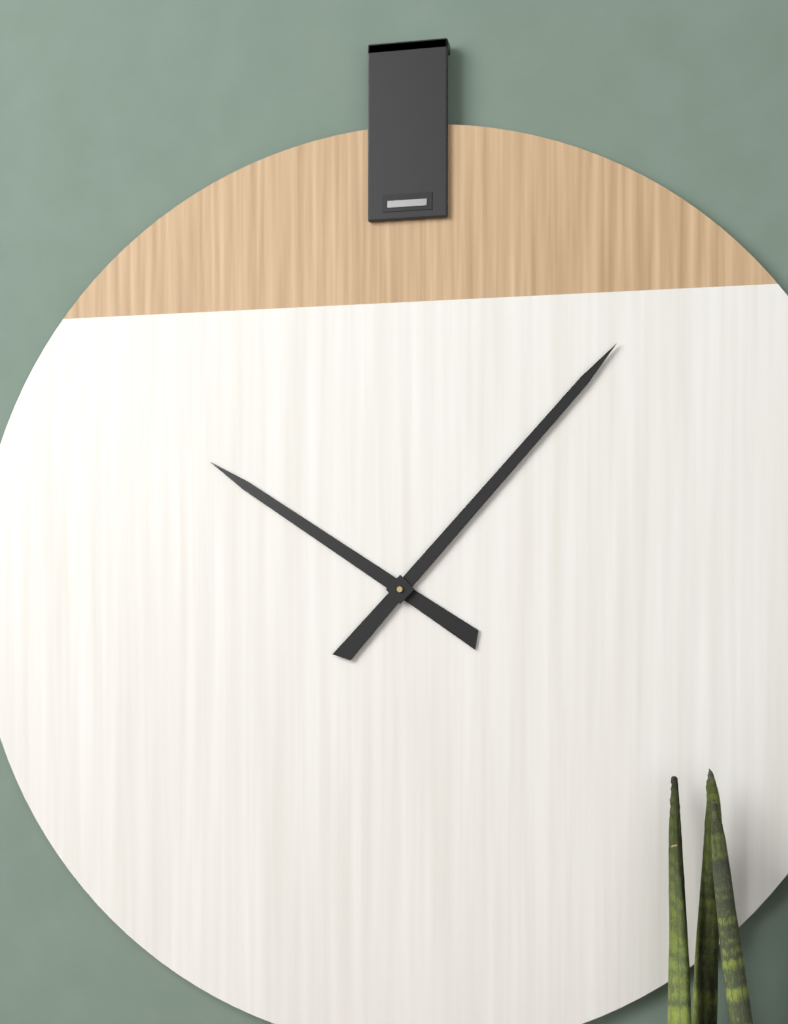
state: 10:07
